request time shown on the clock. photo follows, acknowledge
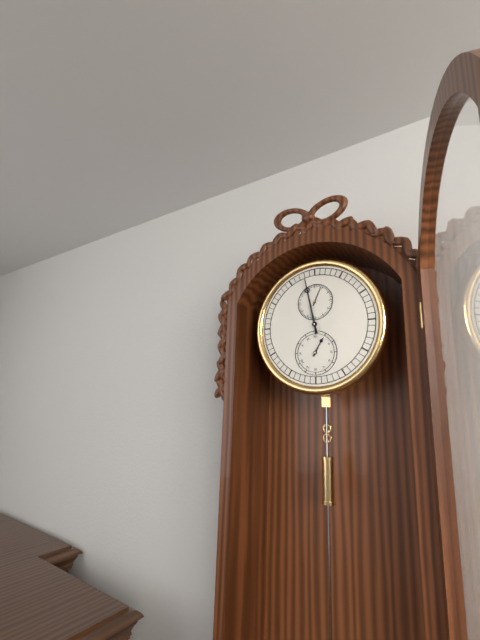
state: 12:58
